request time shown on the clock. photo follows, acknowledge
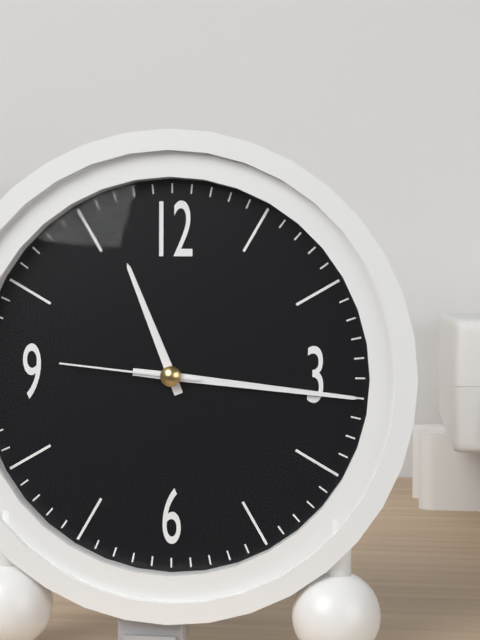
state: 11:16:46
